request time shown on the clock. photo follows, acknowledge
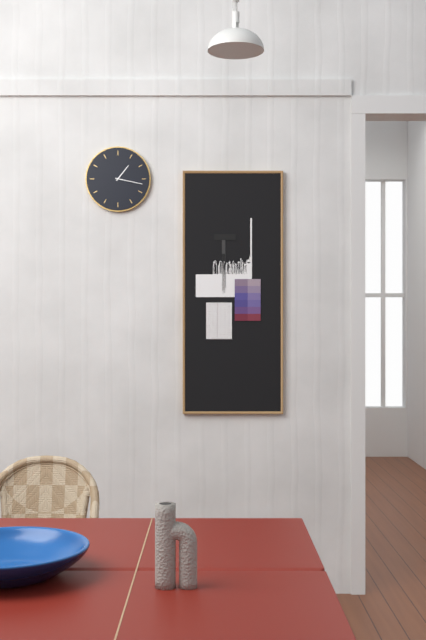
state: 1:17
